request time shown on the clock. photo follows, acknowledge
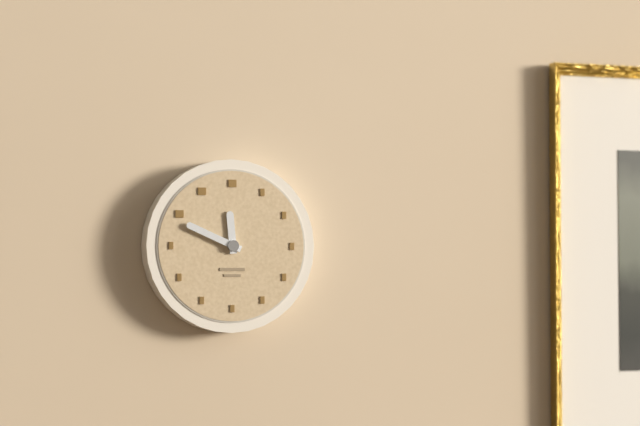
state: 11:49
